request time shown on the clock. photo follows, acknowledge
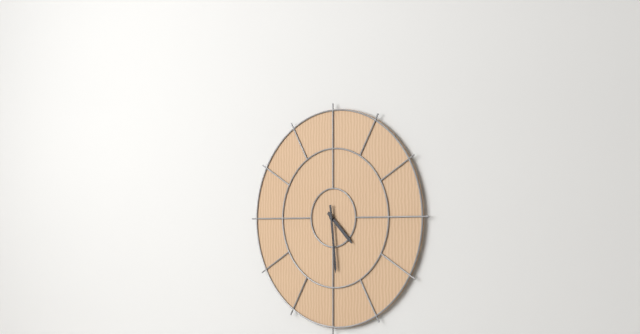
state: 4:29
